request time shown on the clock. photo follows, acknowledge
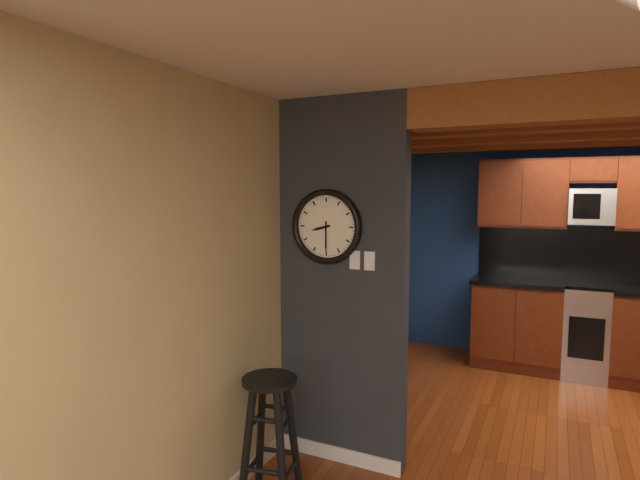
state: 8:30
